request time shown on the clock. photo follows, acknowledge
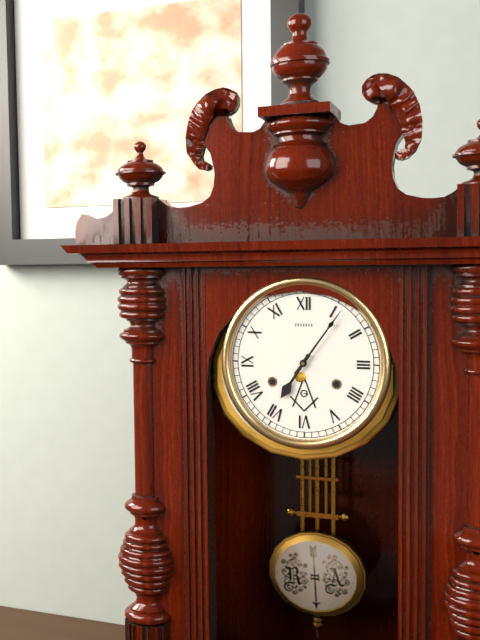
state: 7:06
